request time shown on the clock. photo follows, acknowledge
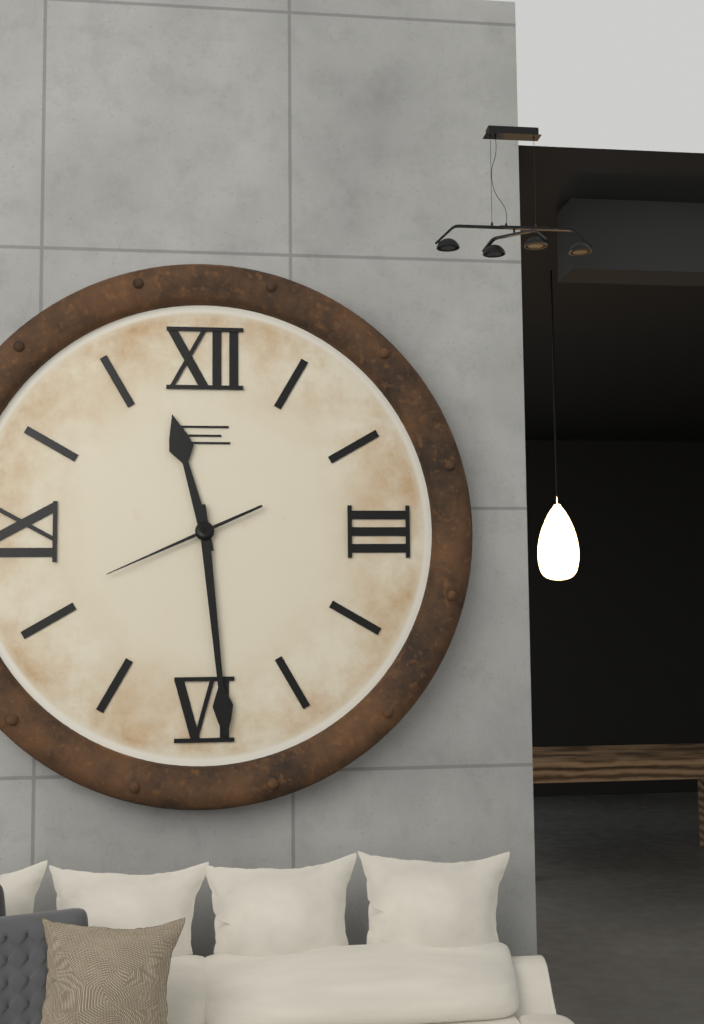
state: 11:29:41
